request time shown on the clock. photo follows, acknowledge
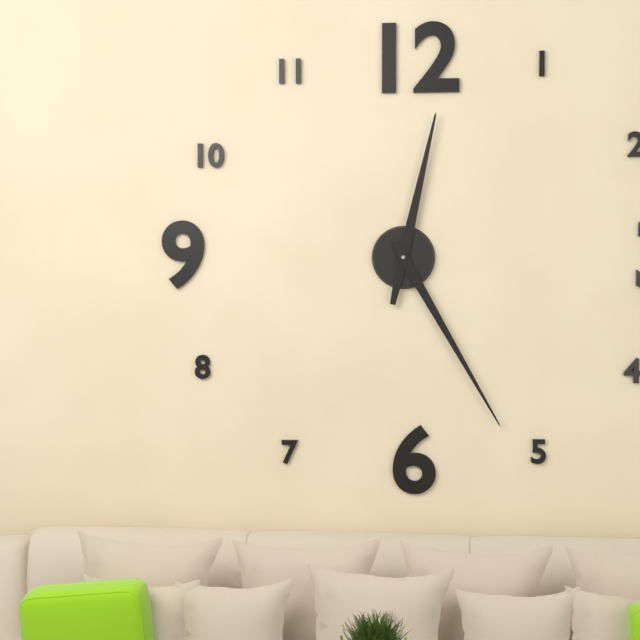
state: 12:25
